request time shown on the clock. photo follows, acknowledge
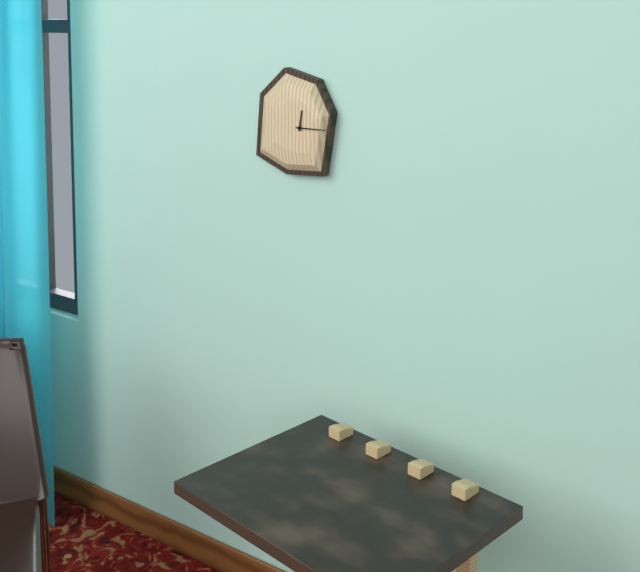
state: 12:15
